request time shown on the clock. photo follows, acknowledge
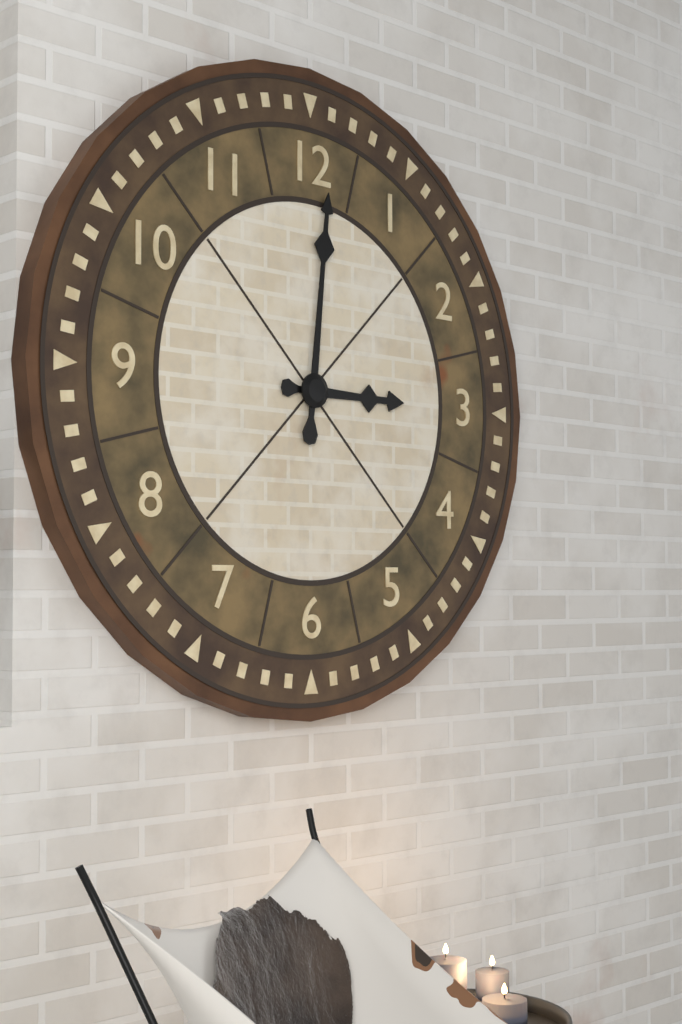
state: 3:01
